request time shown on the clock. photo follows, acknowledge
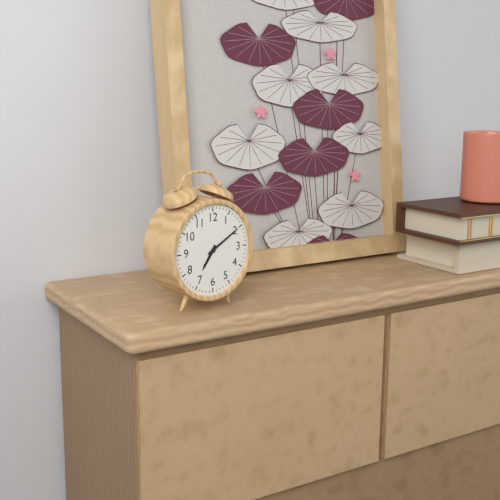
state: 7:10
